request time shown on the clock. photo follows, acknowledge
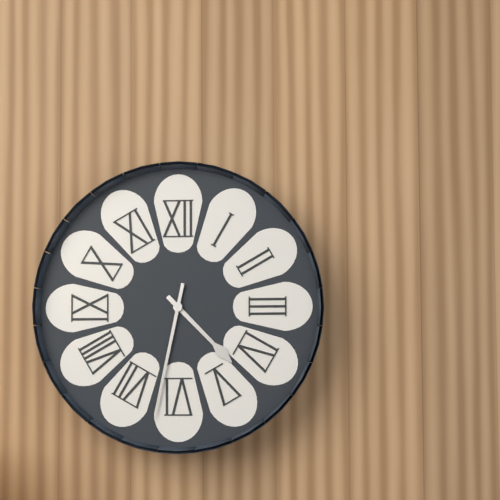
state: 4:32
